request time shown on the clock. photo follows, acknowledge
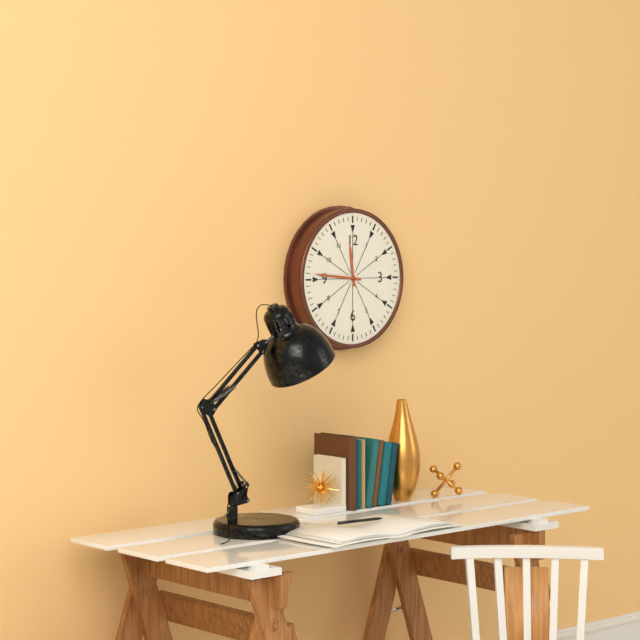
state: 11:46
